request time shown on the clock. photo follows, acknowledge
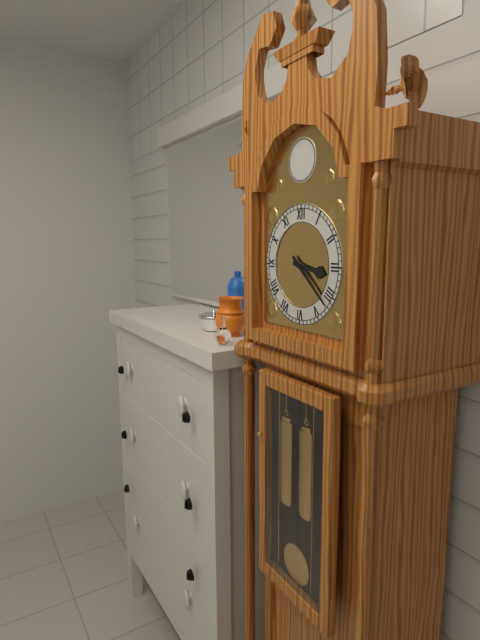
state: 3:22
